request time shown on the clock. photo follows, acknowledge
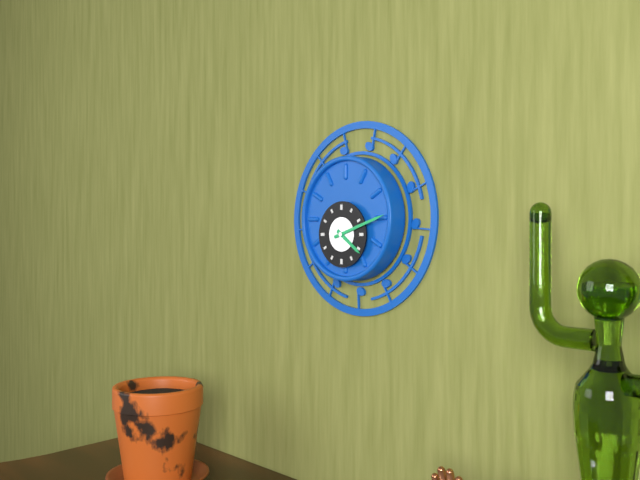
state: 4:12
